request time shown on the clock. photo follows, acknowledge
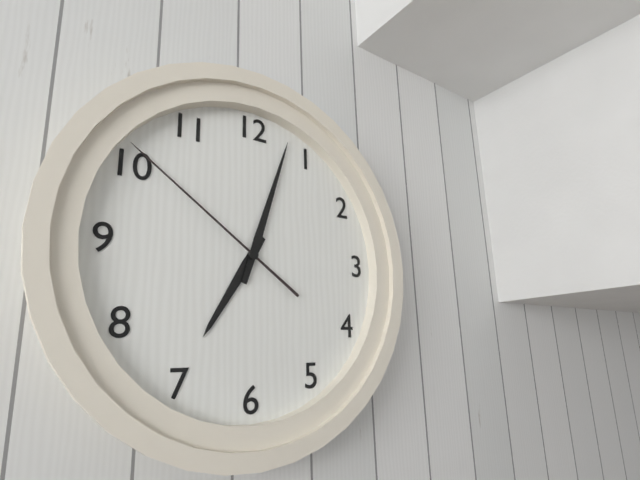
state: 7:03:51
